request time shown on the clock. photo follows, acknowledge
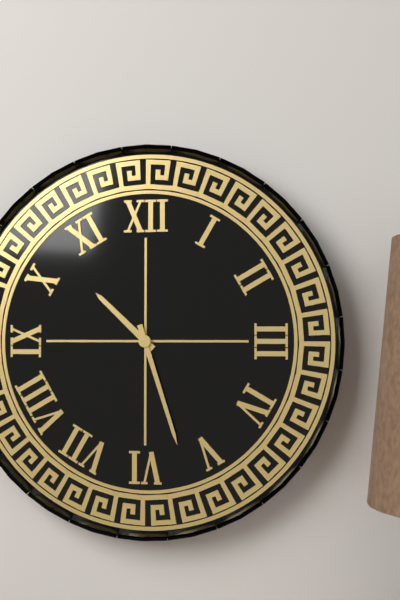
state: 10:27
